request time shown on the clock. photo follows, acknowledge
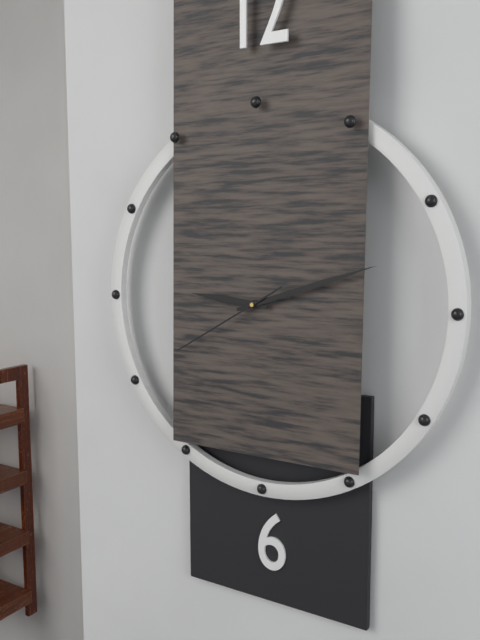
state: 9:12:40
